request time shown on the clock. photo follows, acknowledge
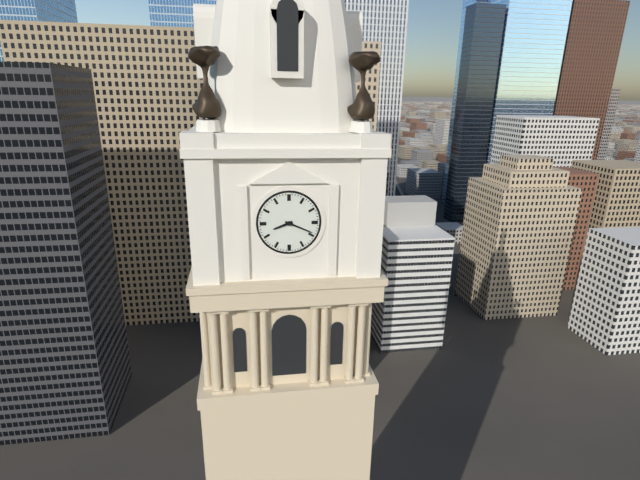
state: 8:19
